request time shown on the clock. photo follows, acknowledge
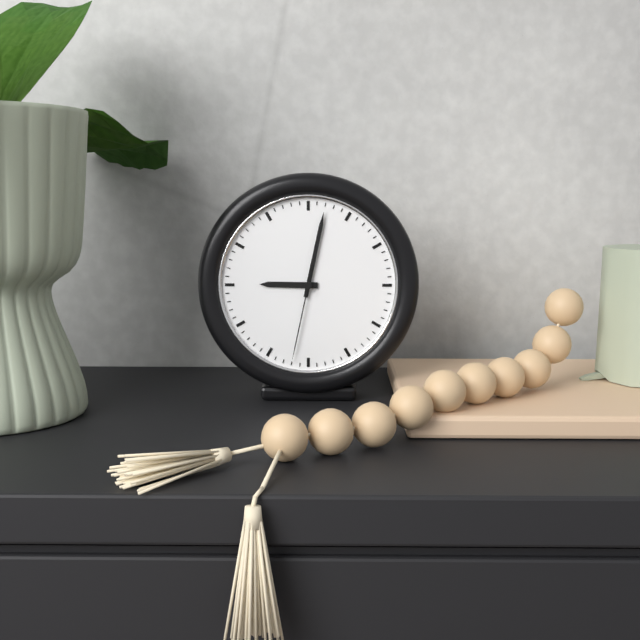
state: 9:02:32
